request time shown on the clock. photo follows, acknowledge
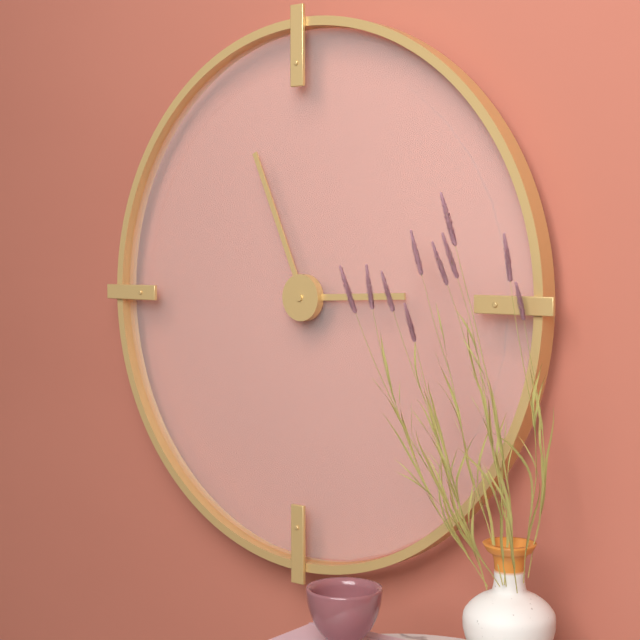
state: 2:56
